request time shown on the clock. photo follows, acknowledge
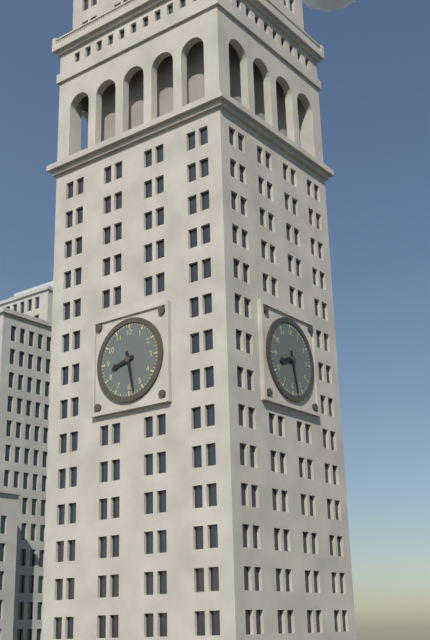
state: 8:28
